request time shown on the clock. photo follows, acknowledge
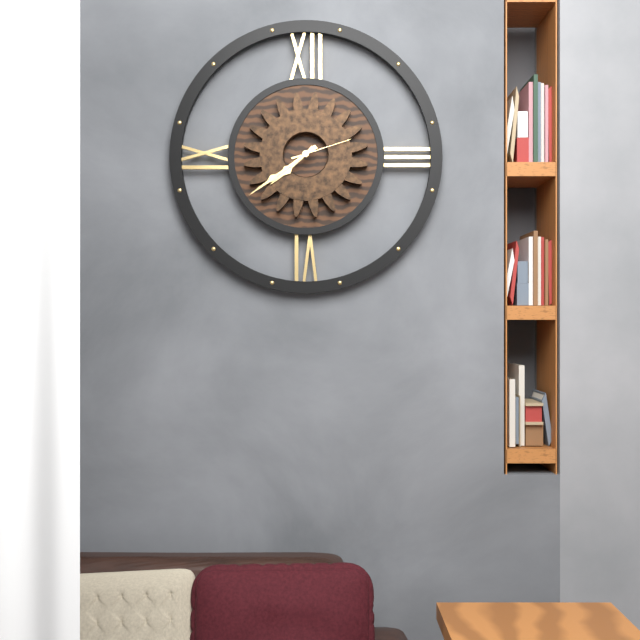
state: 7:39:12
